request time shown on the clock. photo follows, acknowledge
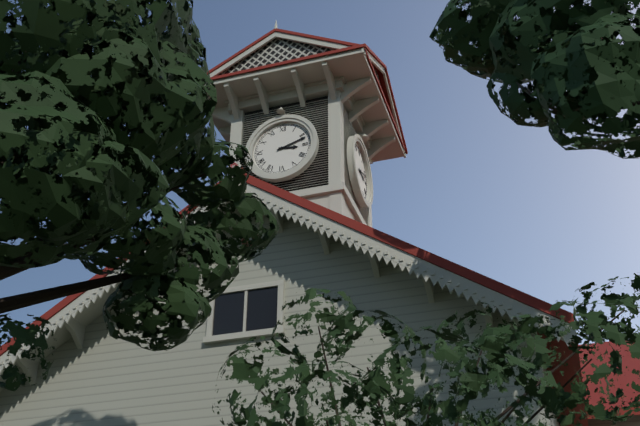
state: 3:12
